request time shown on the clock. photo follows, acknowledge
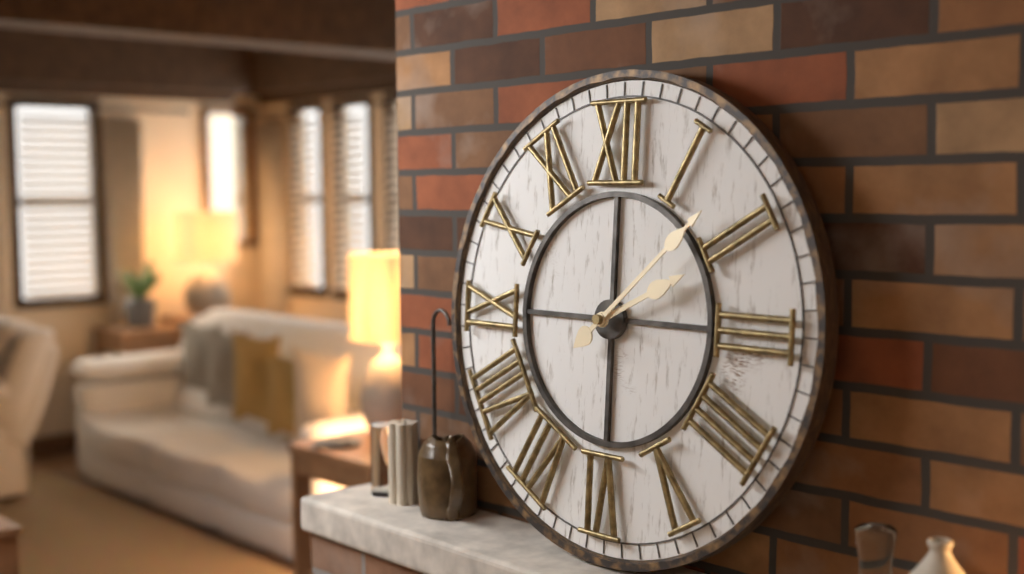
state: 2:08
